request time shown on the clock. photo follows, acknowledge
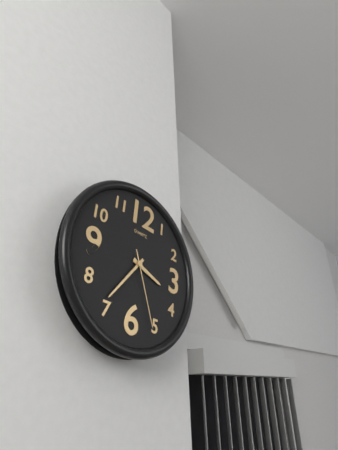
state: 3:36:26
